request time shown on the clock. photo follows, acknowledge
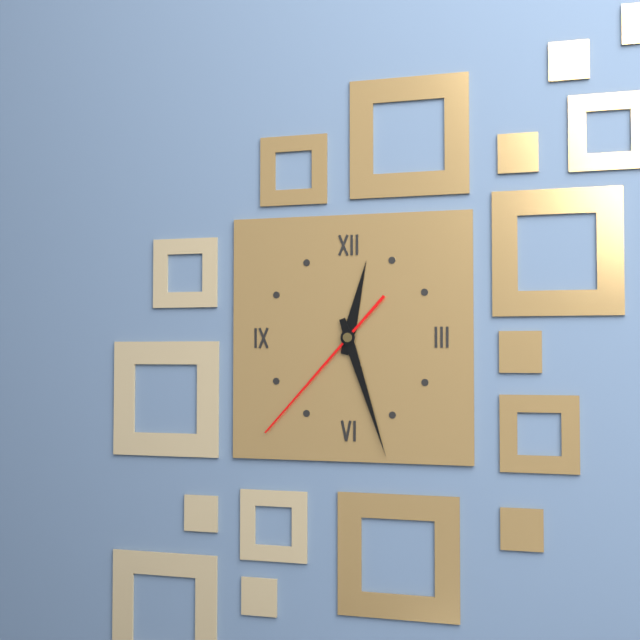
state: 12:27:37
